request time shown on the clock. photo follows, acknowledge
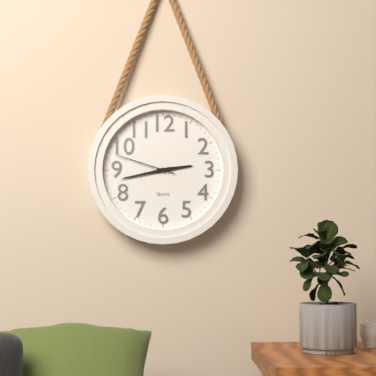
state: 2:43:48
